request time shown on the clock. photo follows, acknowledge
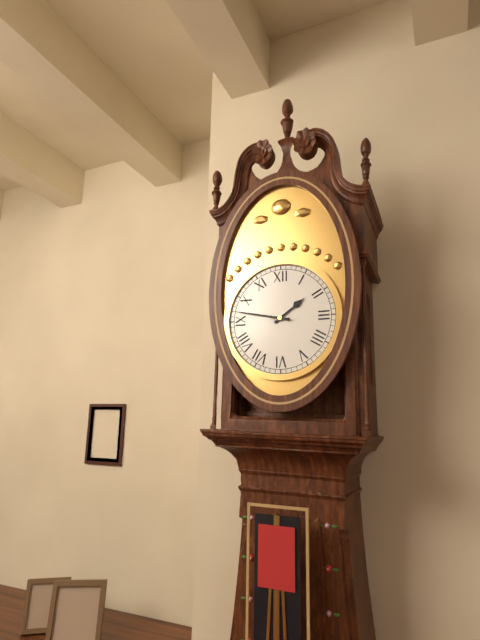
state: 1:47
